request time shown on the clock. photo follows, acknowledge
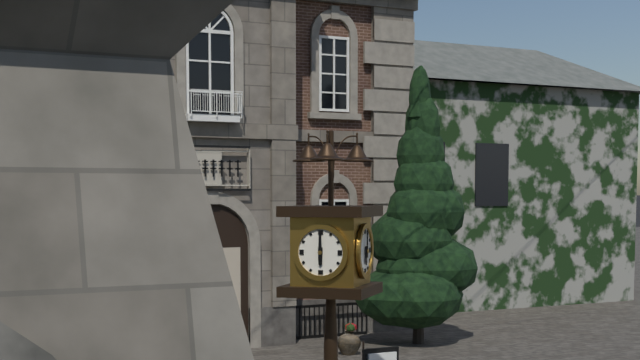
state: 6:00
